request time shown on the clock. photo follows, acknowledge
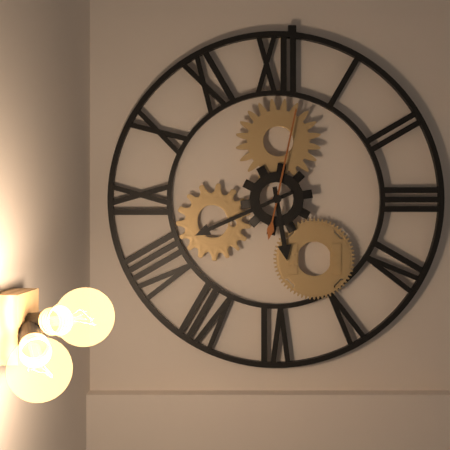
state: 5:41:02
